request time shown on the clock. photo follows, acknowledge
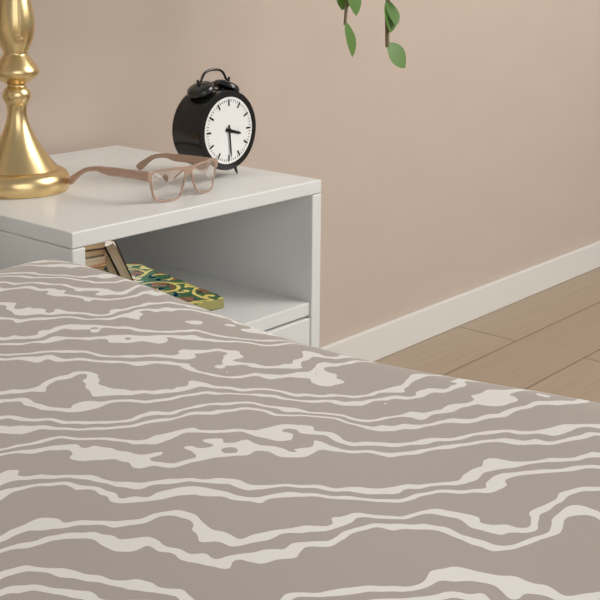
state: 3:29
